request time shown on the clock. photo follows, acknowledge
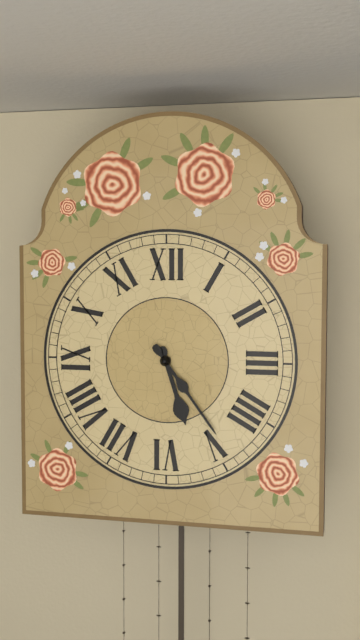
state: 5:24
